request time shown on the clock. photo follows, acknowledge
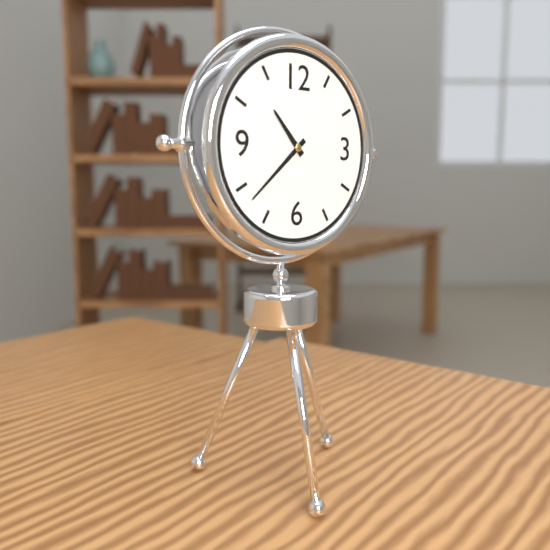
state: 10:38
